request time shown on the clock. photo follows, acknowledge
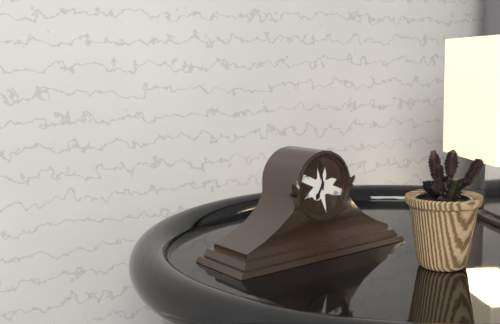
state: 6:59
